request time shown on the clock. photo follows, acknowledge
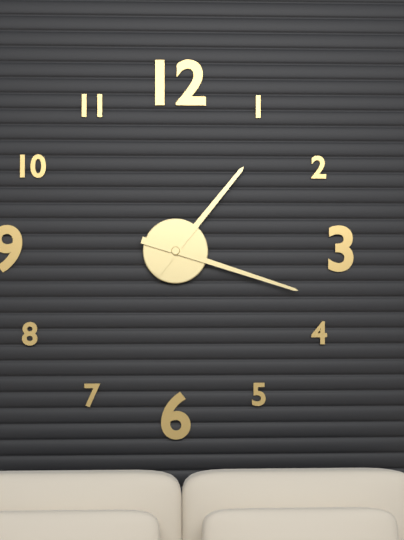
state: 1:18
